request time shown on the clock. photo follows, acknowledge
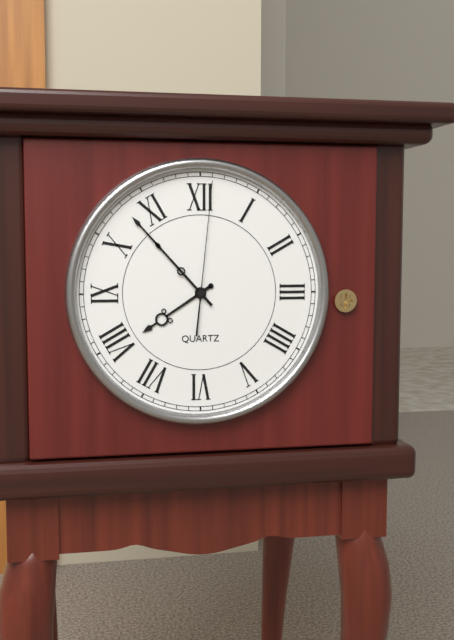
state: 7:53:01
